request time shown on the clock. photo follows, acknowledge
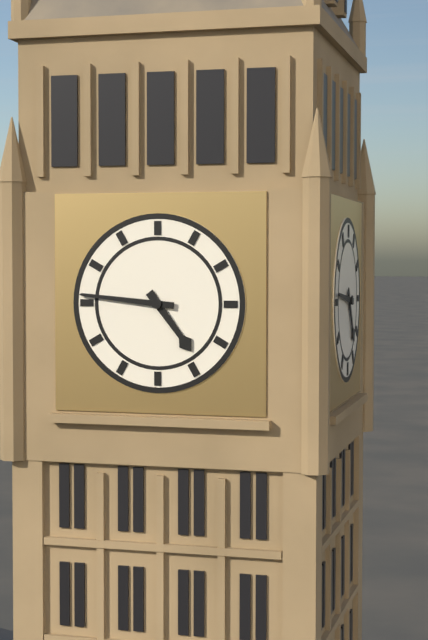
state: 4:46
